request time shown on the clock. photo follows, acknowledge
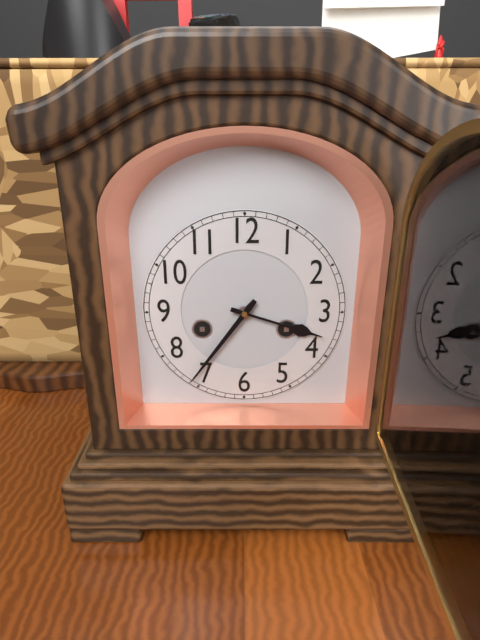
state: 3:36
